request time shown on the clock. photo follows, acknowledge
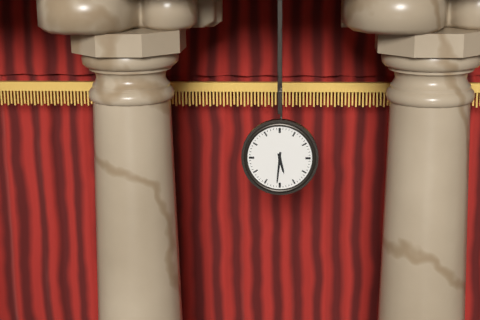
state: 5:31
